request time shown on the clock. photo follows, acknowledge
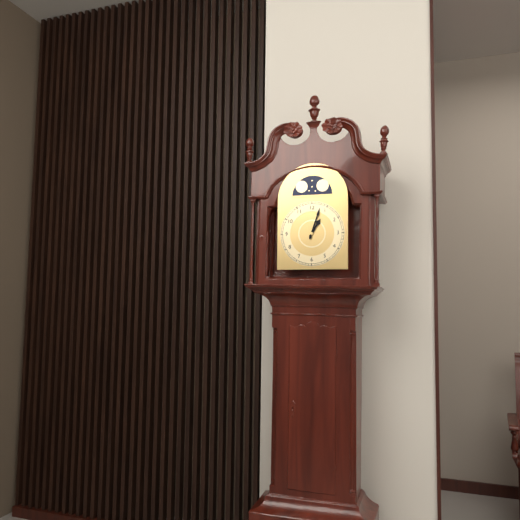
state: 1:03
